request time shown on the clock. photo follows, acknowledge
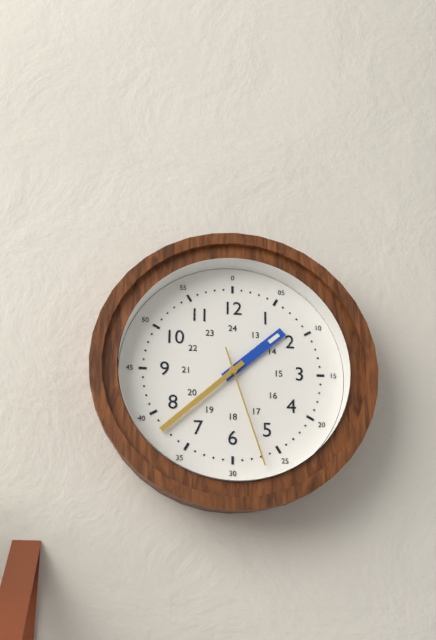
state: 1:38:27
